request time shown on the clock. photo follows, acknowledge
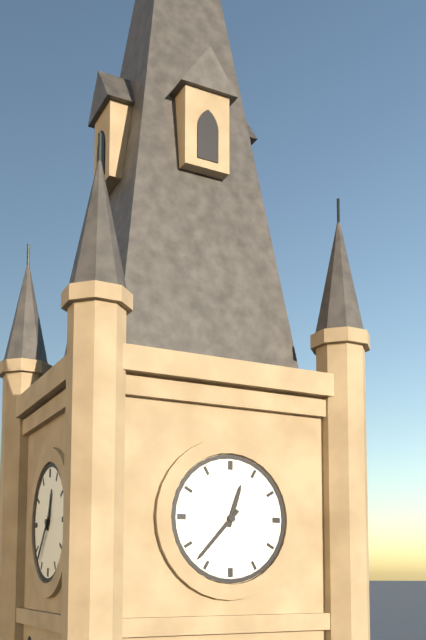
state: 12:37
